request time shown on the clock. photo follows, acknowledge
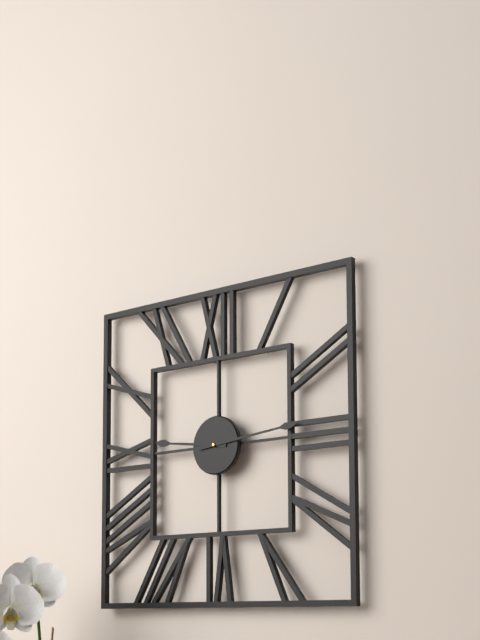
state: 9:14
